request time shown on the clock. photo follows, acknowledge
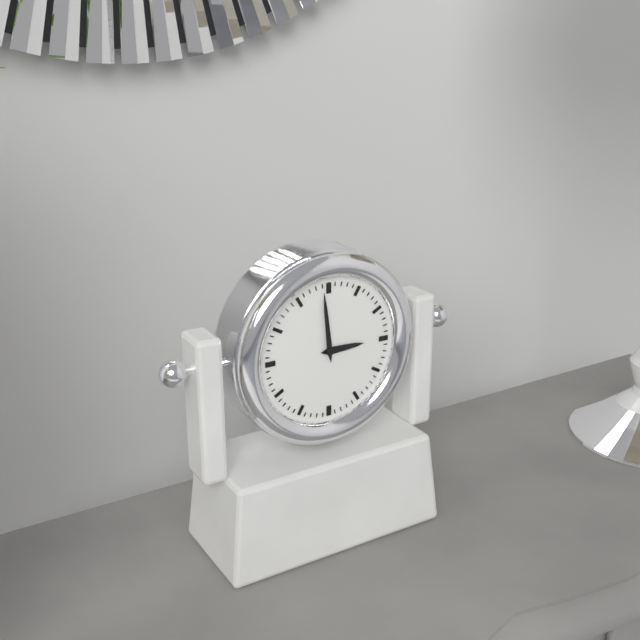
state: 2:59
